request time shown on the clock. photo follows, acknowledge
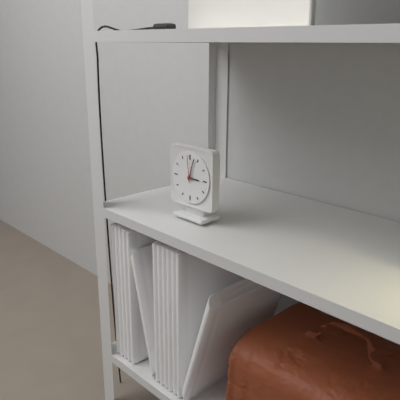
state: 3:03
